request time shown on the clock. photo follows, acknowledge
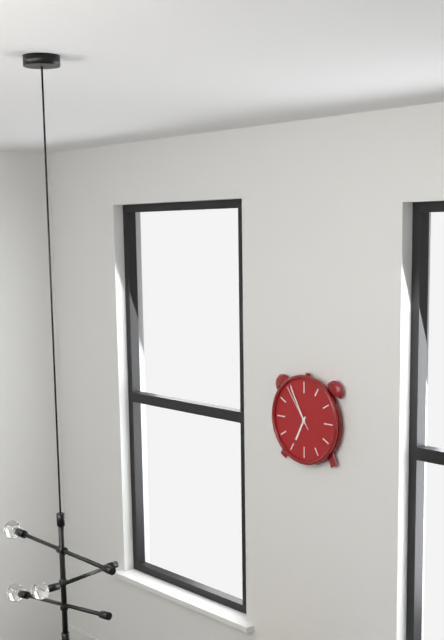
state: 6:55
